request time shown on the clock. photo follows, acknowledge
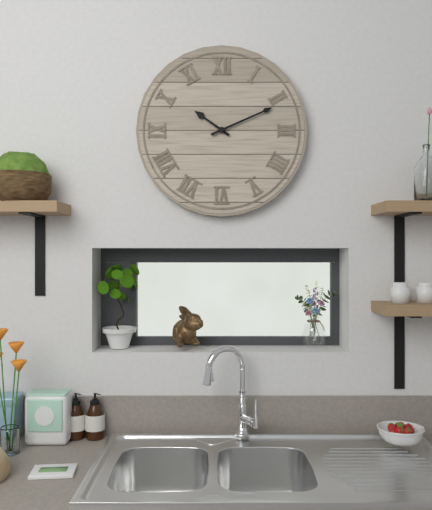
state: 10:11
